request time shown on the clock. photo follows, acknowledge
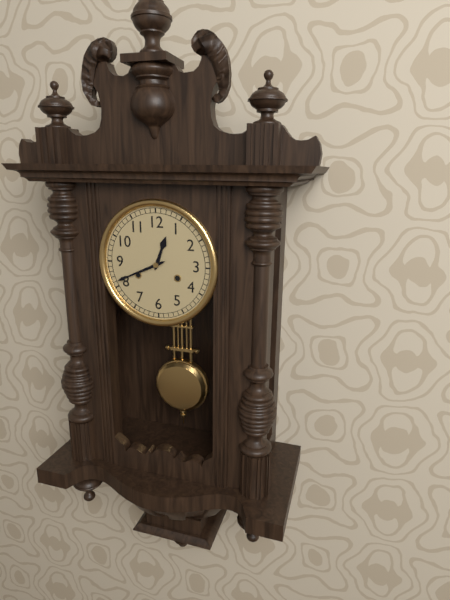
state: 12:41
